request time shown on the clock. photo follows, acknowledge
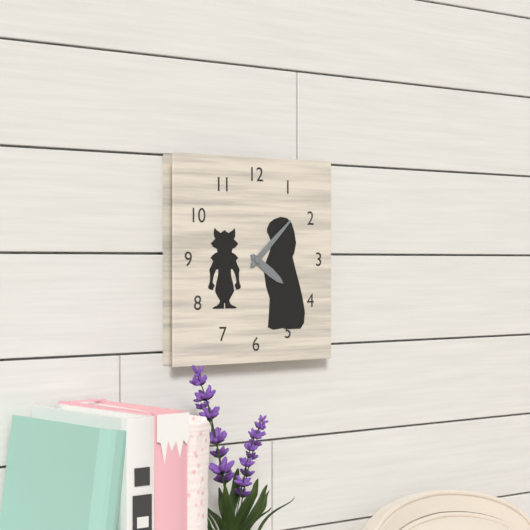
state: 4:08
